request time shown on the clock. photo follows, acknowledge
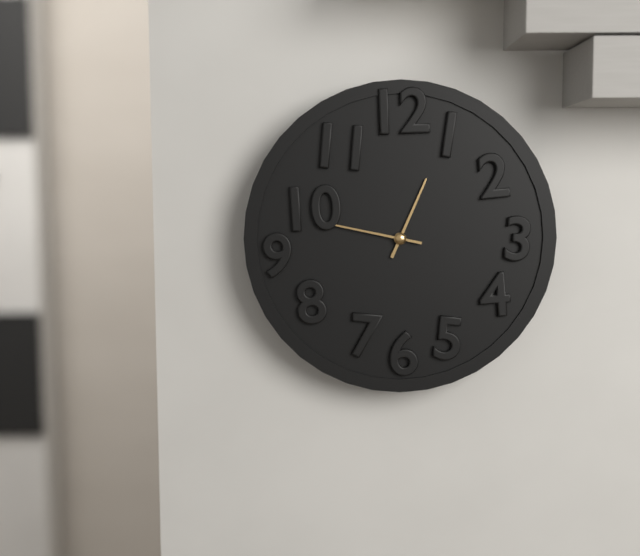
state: 12:47
